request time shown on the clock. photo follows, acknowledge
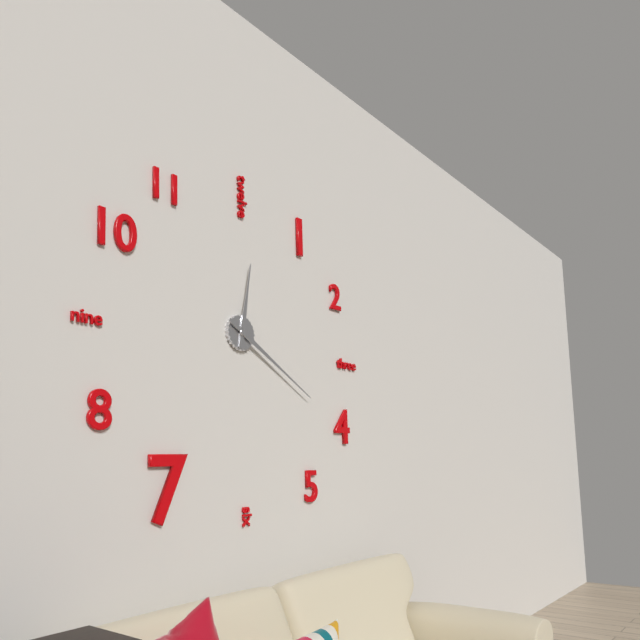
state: 12:20
